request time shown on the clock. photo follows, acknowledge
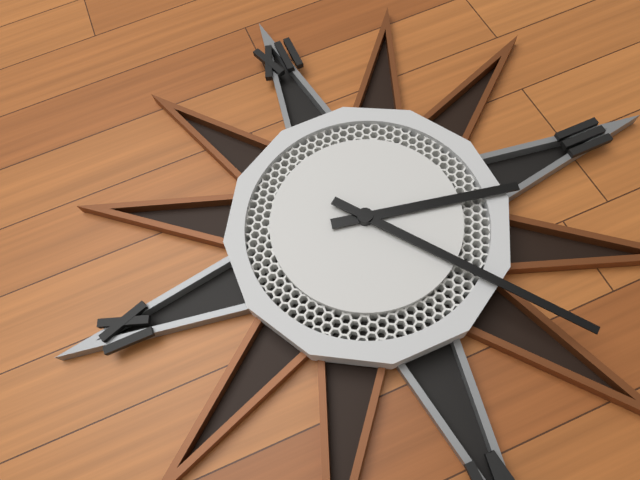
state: 3:24
